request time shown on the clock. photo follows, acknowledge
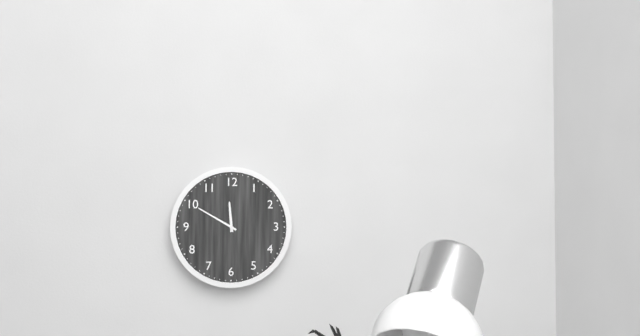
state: 11:50
